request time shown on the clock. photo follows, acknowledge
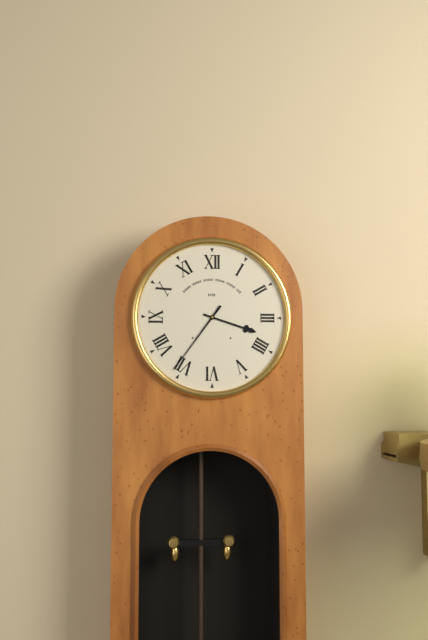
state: 3:36
